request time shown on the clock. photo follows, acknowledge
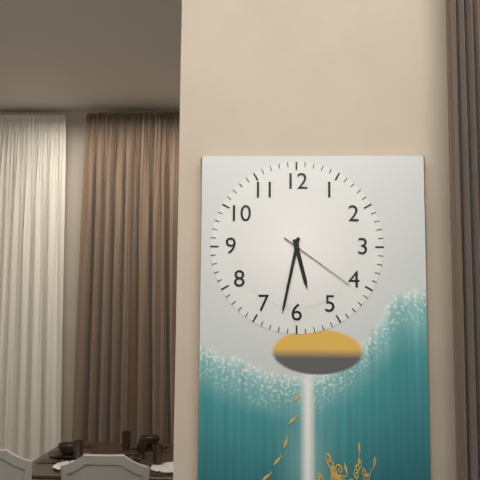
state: 5:32:21
